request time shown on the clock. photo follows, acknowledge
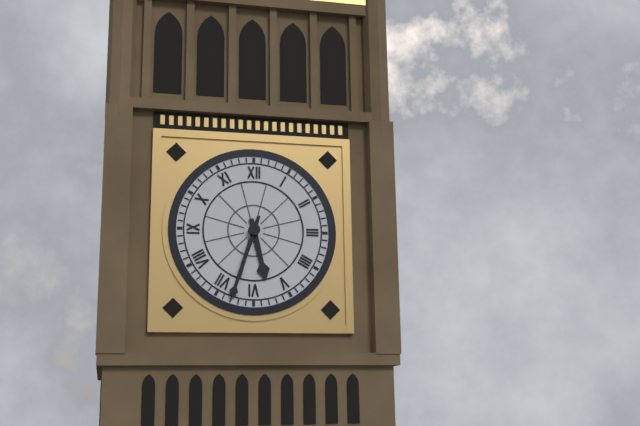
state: 5:33
